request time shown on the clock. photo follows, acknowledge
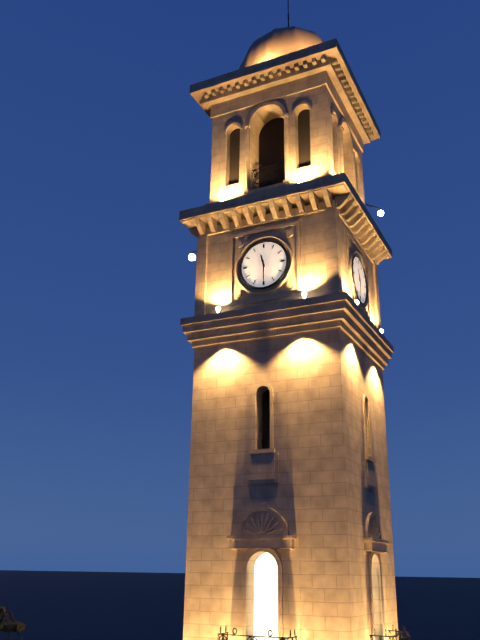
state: 11:30
